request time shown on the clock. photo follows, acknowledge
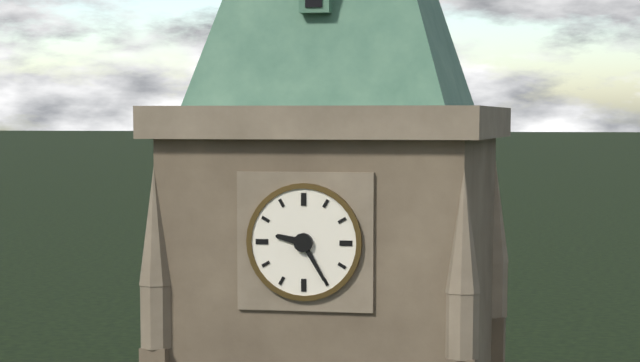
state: 9:25
